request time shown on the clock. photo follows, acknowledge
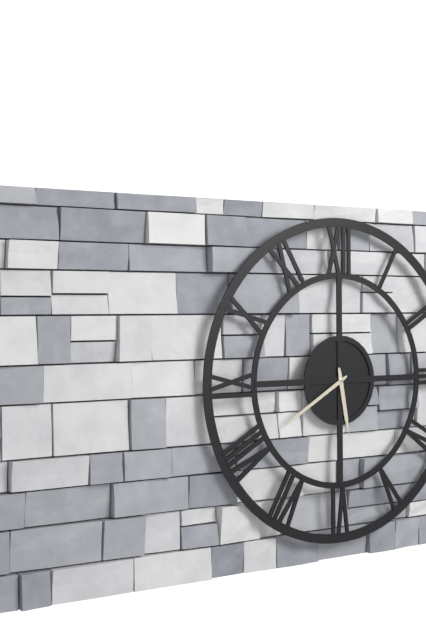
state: 5:40
